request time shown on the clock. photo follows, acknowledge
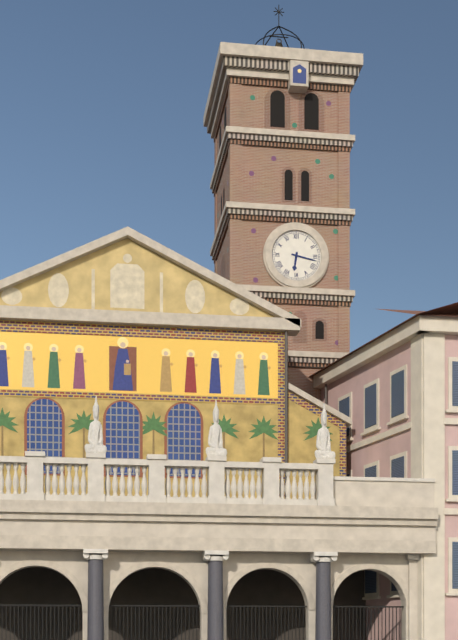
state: 6:17
